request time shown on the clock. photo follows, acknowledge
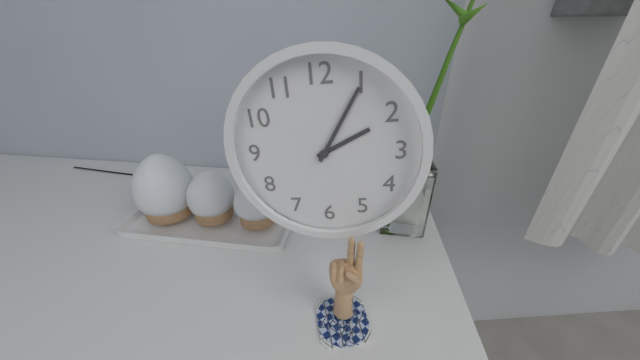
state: 2:05
